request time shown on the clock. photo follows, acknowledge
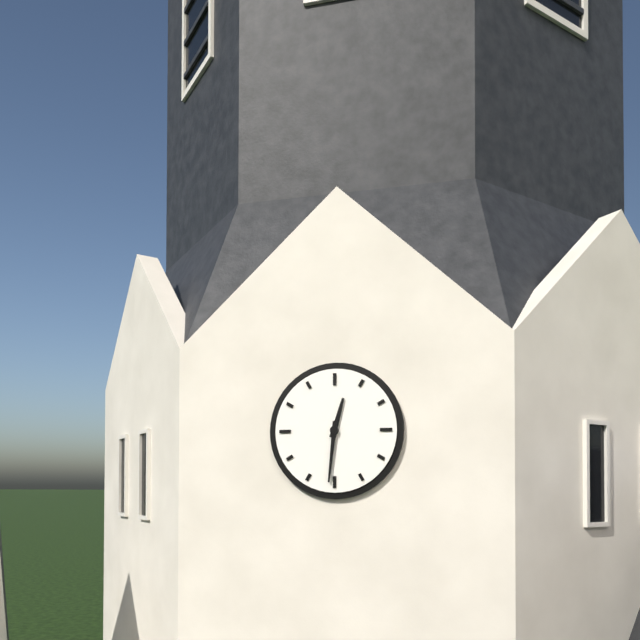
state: 12:31
